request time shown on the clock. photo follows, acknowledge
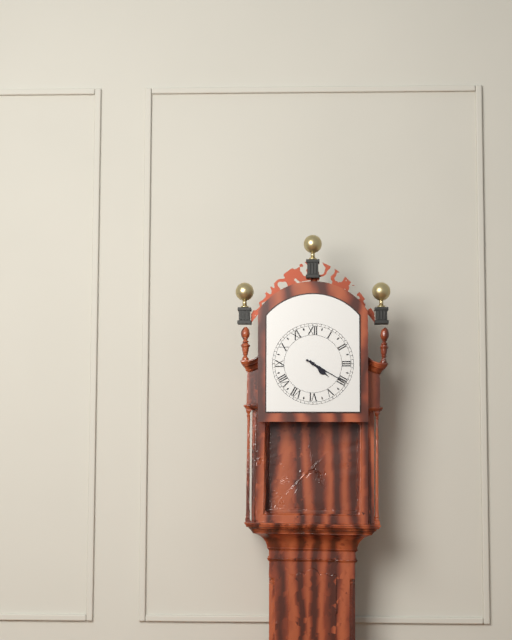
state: 4:20
